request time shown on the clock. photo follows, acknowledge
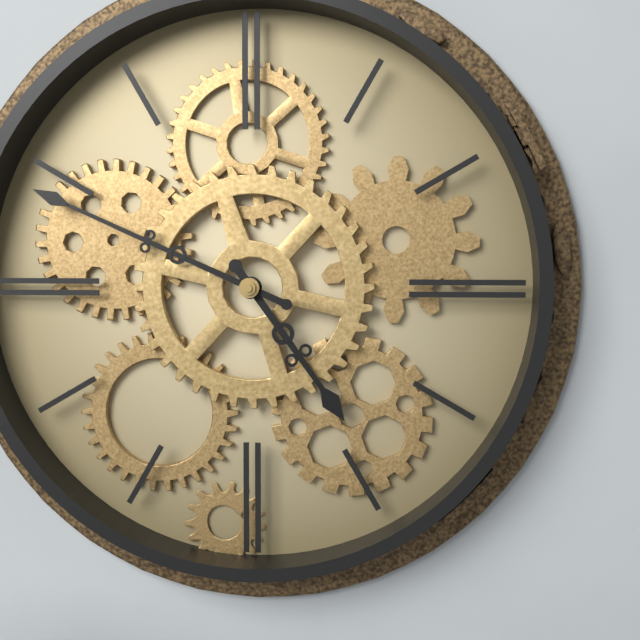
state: 4:49
